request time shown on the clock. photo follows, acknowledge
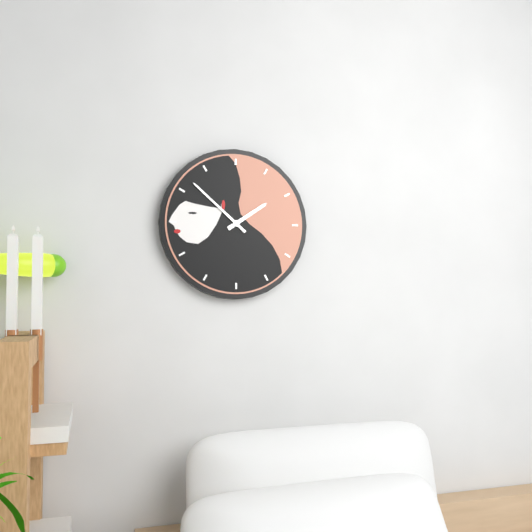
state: 1:52
